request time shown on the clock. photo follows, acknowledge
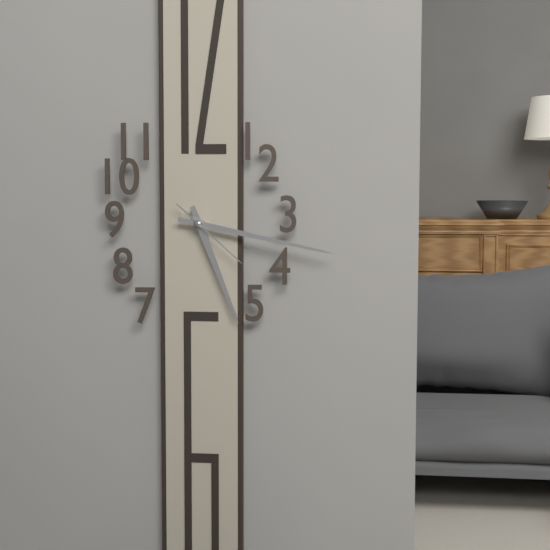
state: 5:17:22
